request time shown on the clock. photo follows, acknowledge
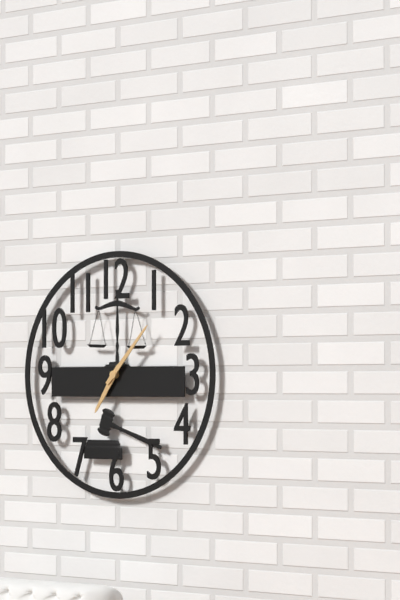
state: 7:07
